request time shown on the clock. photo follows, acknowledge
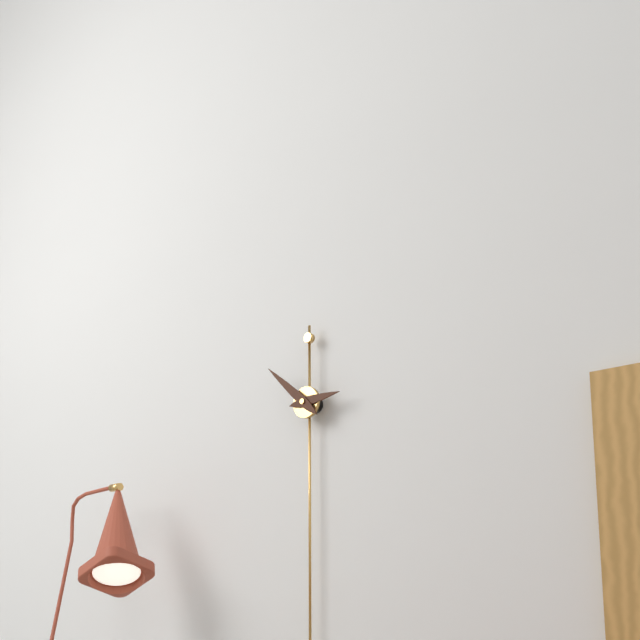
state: 2:52
